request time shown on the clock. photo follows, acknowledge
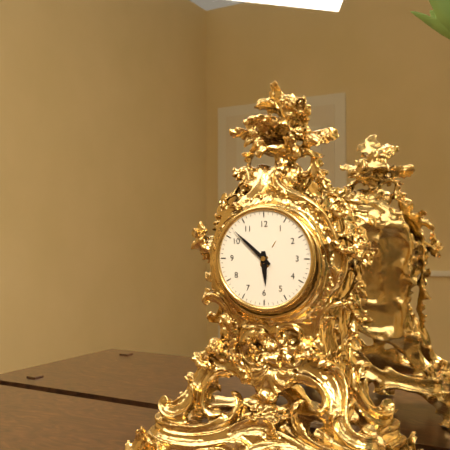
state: 5:52
